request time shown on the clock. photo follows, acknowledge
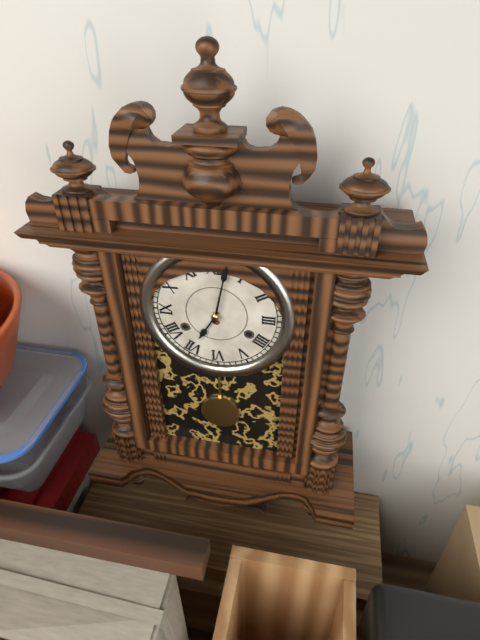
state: 7:02
